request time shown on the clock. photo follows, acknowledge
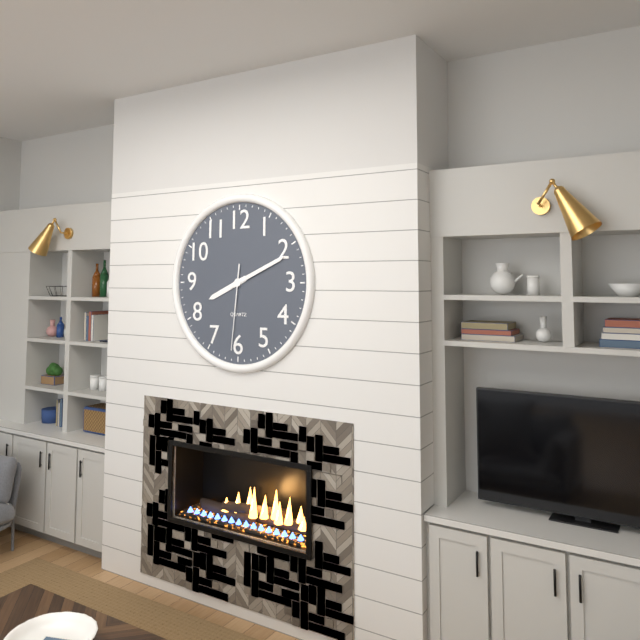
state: 8:11:31
